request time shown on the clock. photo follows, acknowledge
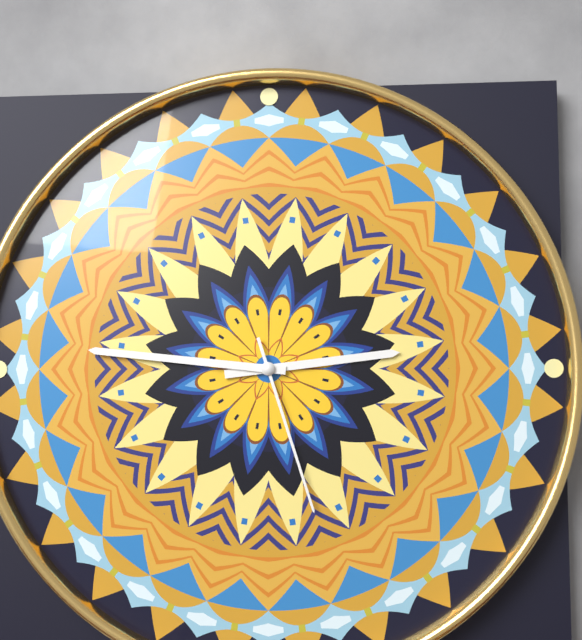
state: 2:46:27
